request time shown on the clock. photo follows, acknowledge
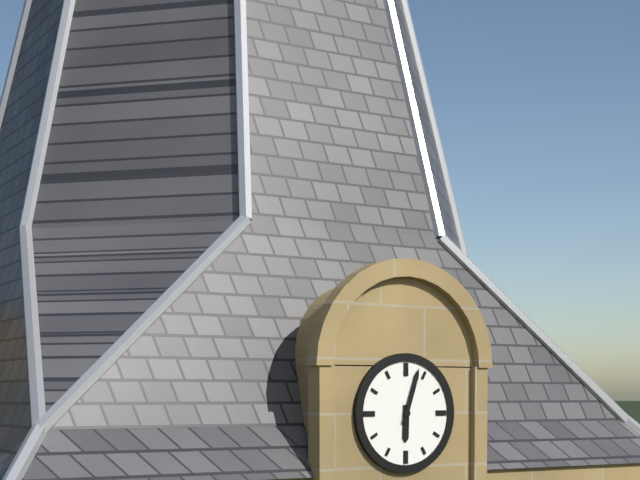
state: 6:03
